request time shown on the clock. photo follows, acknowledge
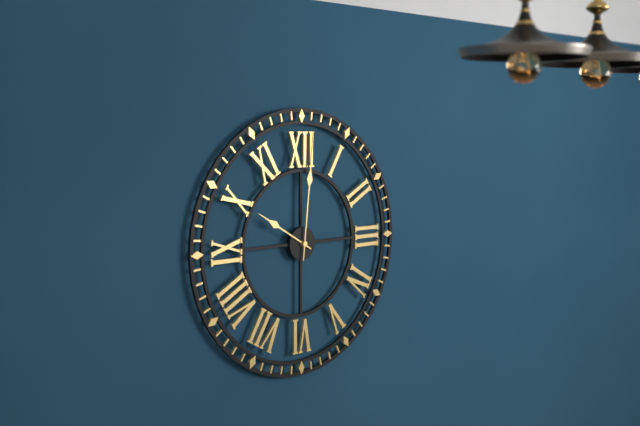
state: 10:01
